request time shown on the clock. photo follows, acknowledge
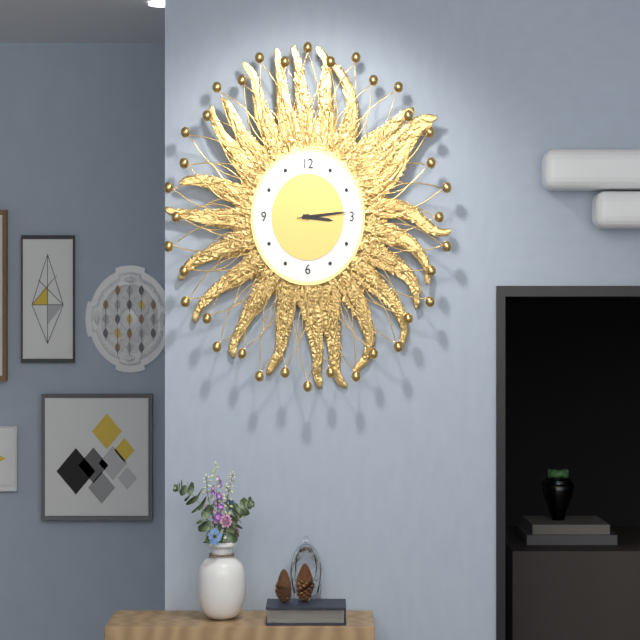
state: 3:14:14
